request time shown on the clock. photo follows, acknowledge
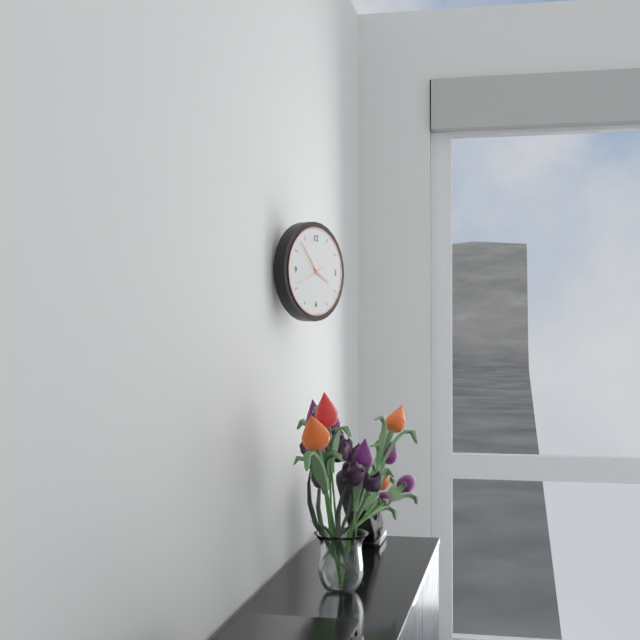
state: 3:53
